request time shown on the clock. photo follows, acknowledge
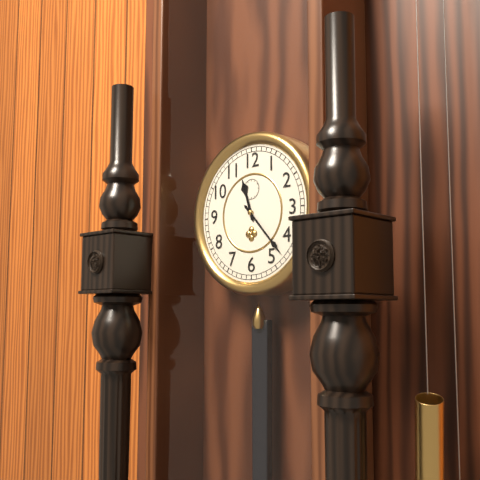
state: 11:23
